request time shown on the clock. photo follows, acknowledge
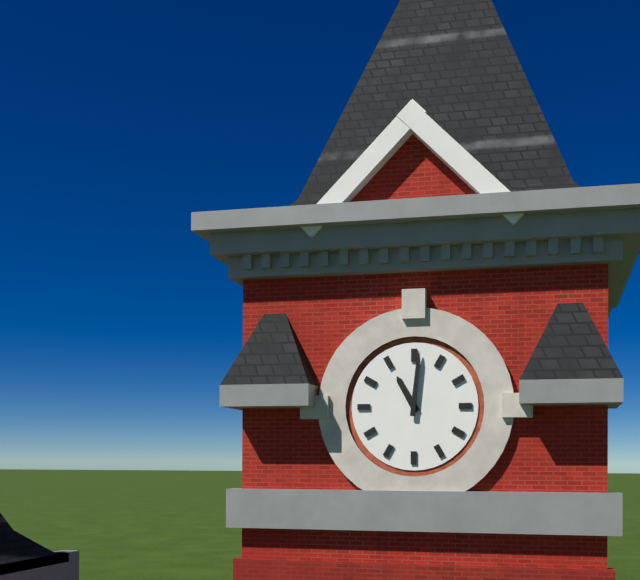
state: 11:01
